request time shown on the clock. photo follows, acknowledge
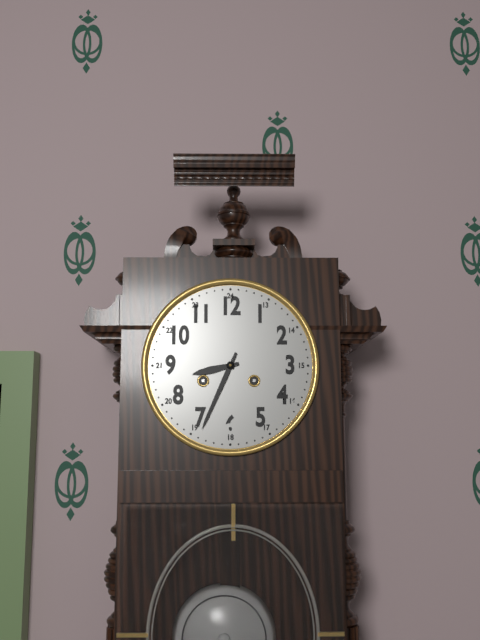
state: 8:34
